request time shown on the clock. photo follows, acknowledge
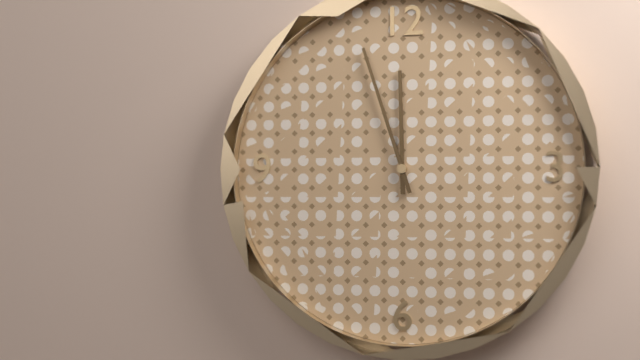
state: 11:57
